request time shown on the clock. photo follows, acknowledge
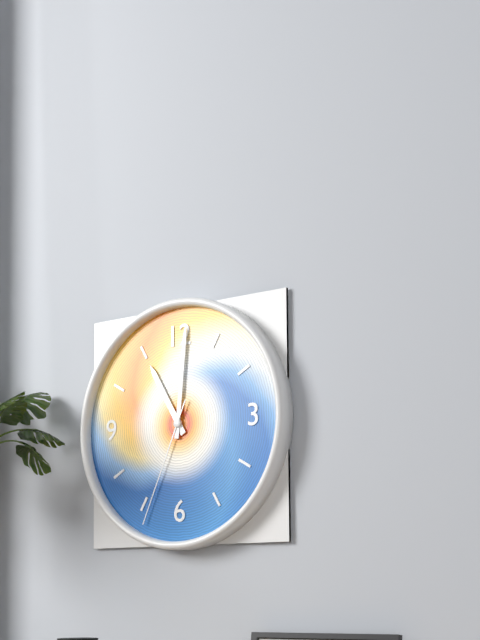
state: 11:01:34
